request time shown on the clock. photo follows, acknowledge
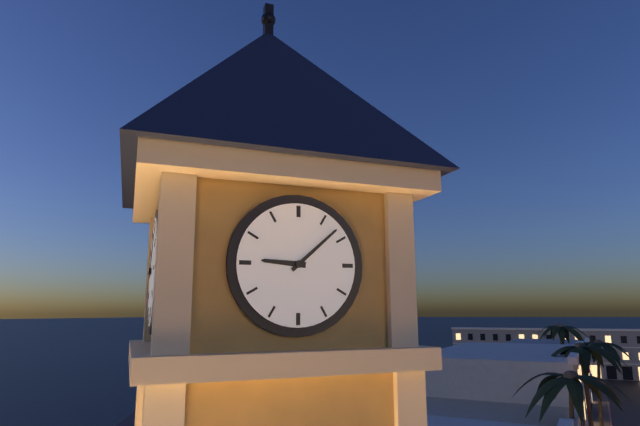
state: 9:08
